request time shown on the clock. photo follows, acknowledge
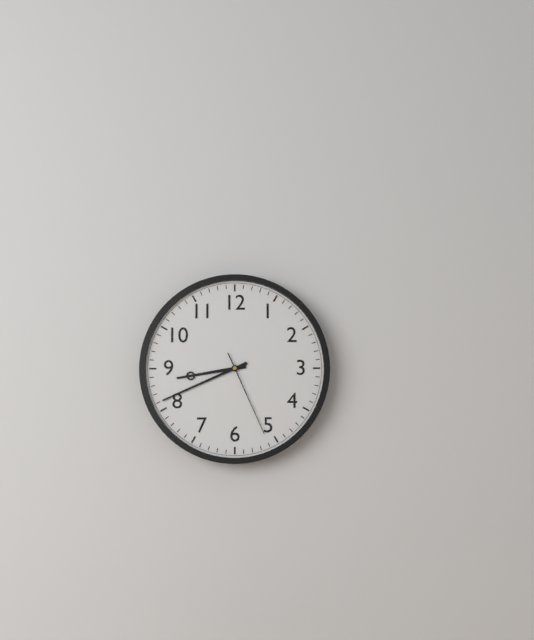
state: 8:41:26
